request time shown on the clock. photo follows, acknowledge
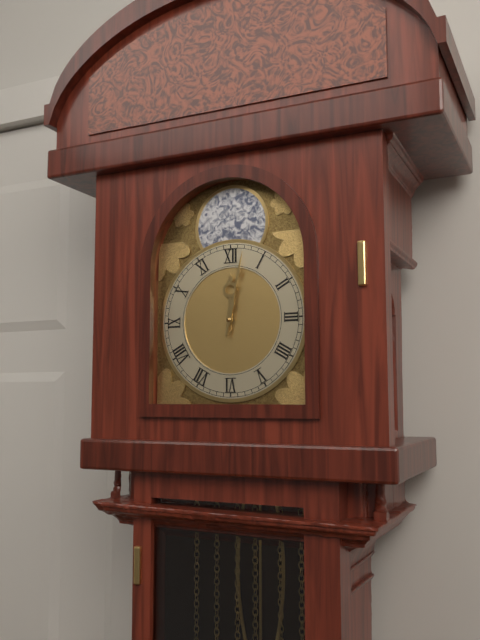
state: 12:02
